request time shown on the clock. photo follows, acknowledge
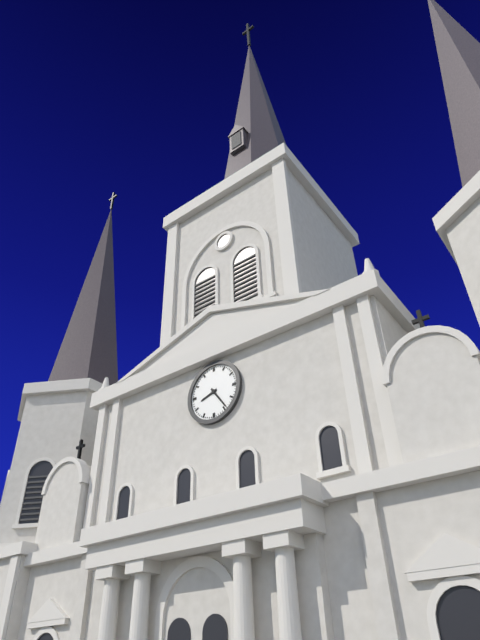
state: 8:24
